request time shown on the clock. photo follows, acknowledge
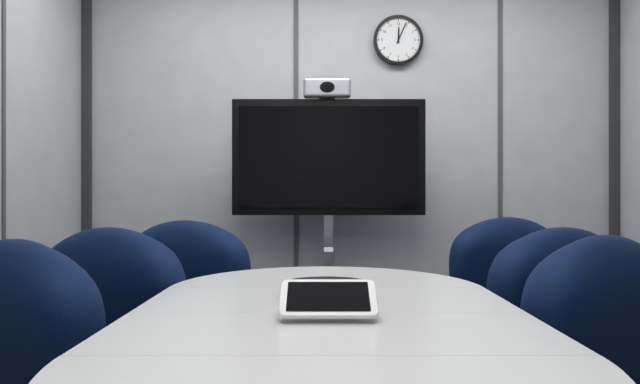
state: 12:04
